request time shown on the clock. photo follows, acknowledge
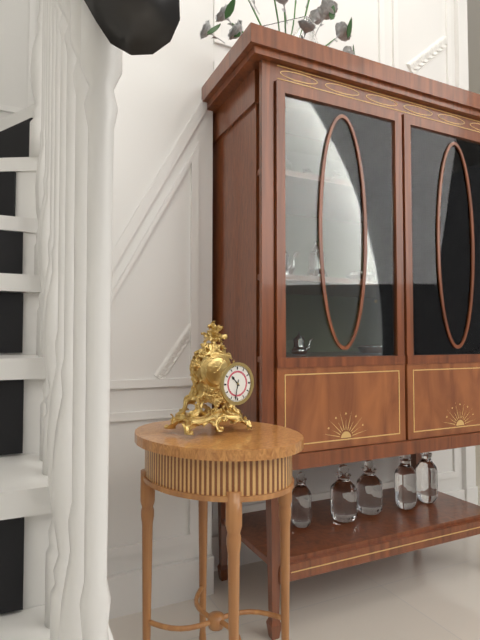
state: 10:32
